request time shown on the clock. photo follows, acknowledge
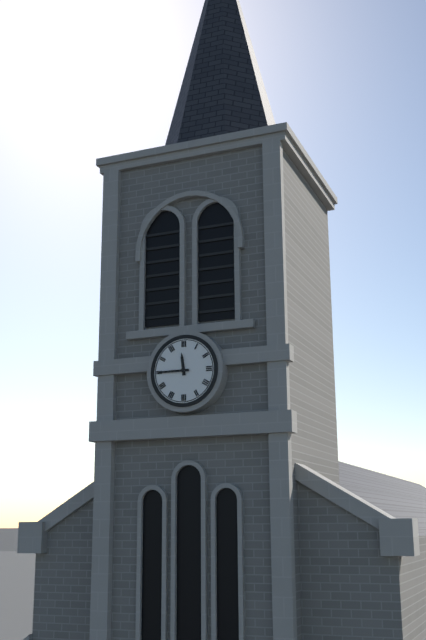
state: 11:45
